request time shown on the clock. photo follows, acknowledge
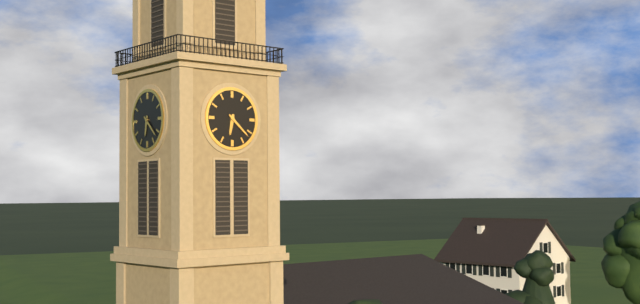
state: 6:22
